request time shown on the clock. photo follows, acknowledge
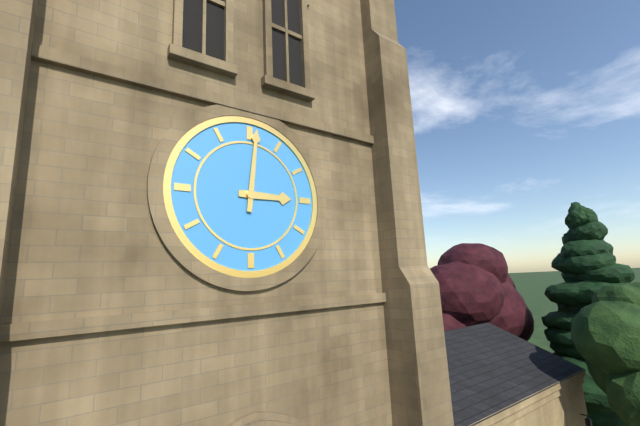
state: 3:01
